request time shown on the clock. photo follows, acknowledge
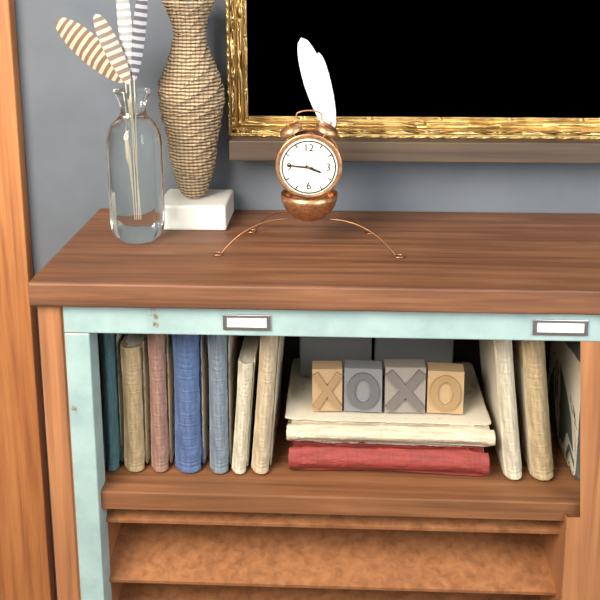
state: 3:46
